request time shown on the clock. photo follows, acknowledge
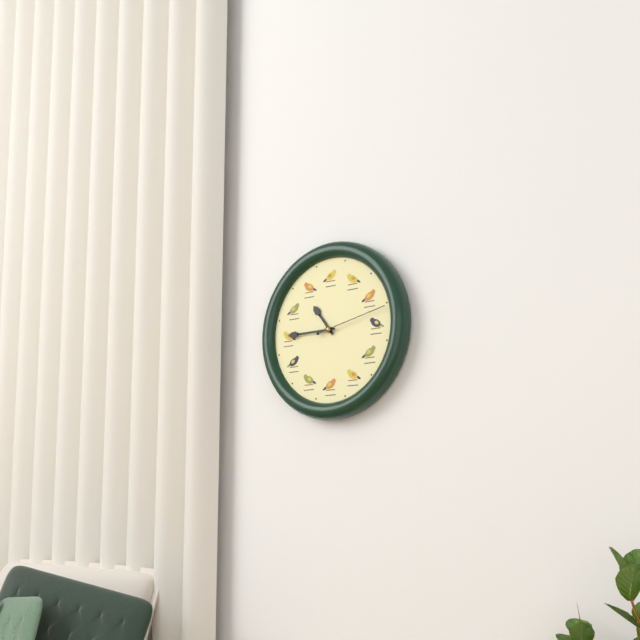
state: 10:45:13
